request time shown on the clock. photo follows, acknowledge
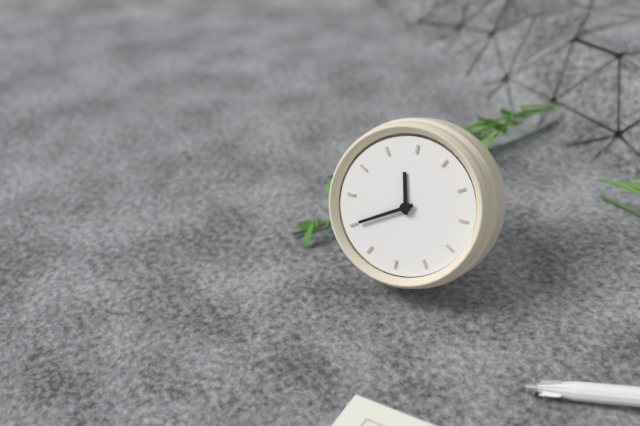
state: 10:35
